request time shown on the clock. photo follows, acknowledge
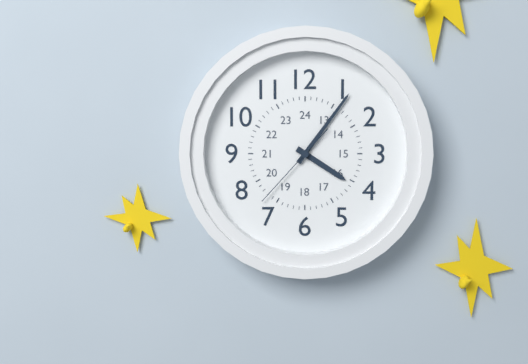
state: 4:06:37
